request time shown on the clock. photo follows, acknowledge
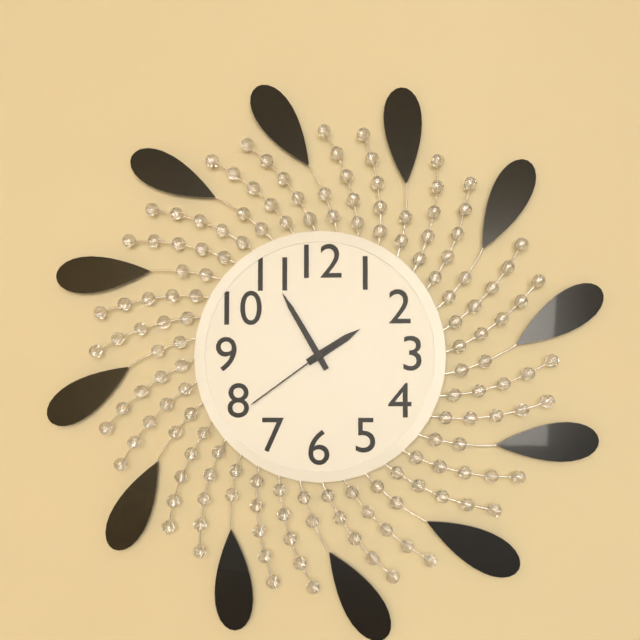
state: 1:55:39
